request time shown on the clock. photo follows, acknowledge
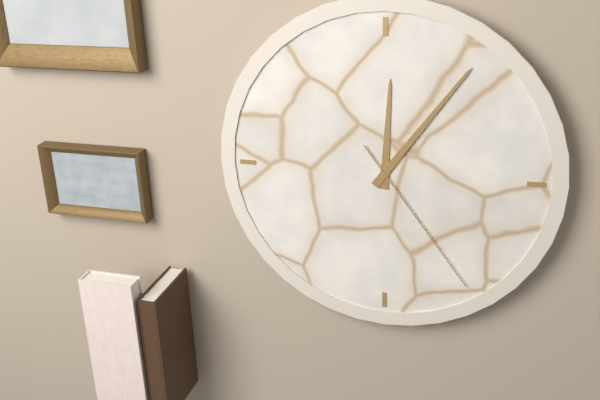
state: 12:06:24
